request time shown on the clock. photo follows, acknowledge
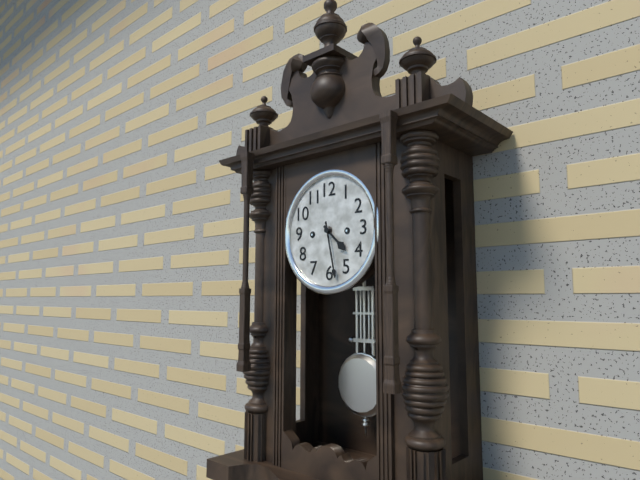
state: 4:28
